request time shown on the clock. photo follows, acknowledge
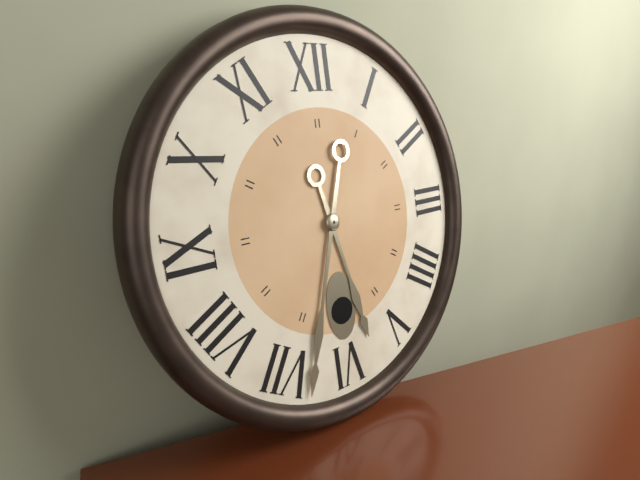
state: 5:33
